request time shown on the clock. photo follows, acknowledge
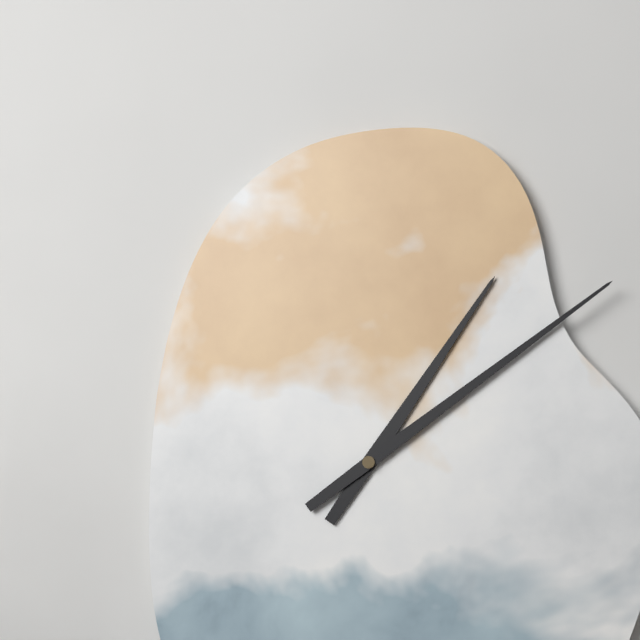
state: 1:09
